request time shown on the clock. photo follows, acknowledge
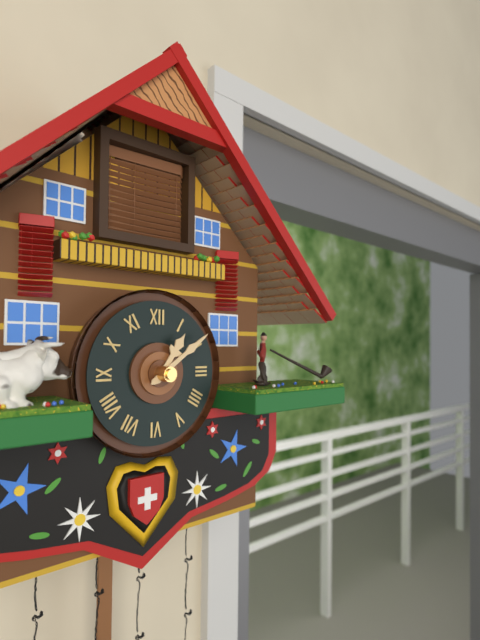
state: 1:09
